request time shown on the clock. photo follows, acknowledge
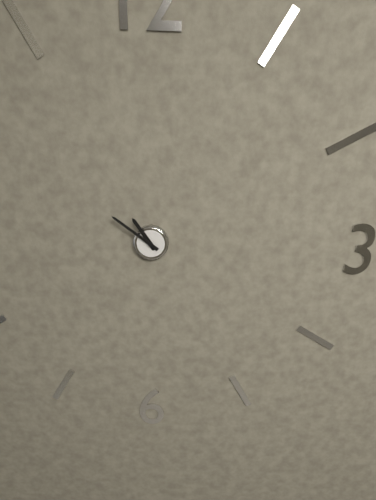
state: 10:51
